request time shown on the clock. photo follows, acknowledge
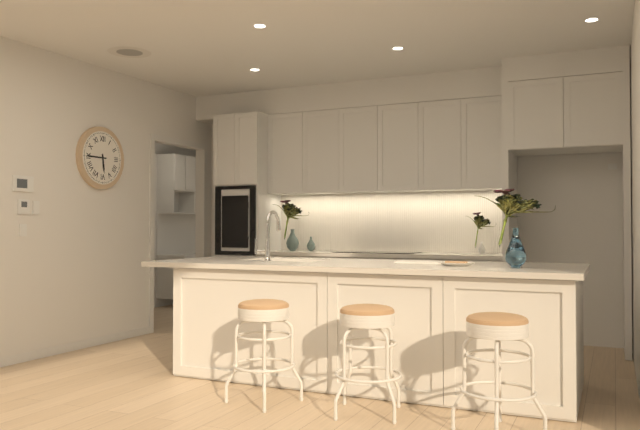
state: 5:45
